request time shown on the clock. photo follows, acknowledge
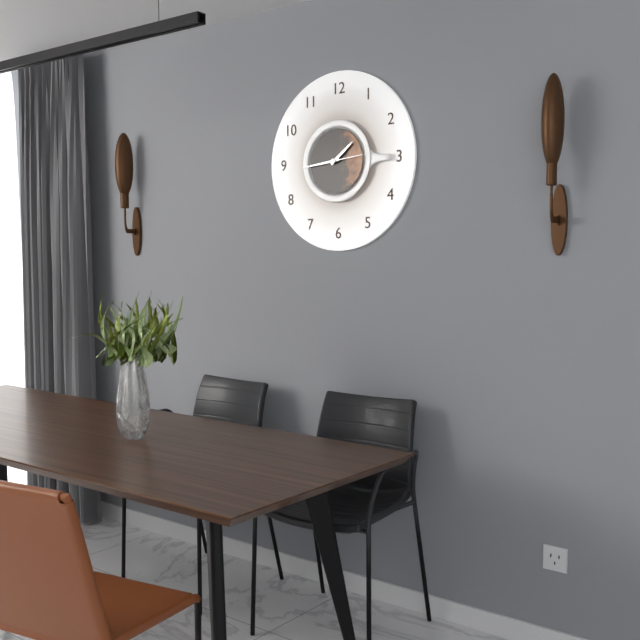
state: 1:44
